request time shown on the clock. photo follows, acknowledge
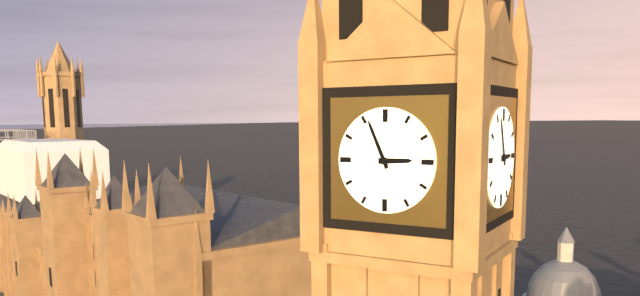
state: 2:56
